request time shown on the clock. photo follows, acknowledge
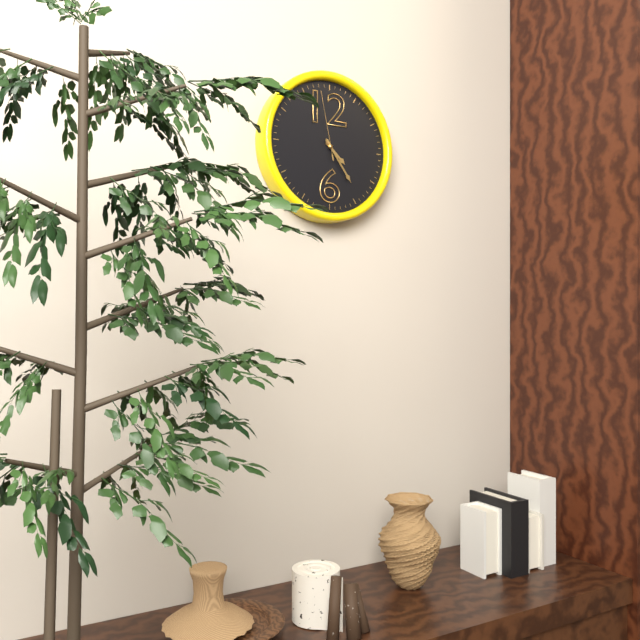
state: 4:24:58
